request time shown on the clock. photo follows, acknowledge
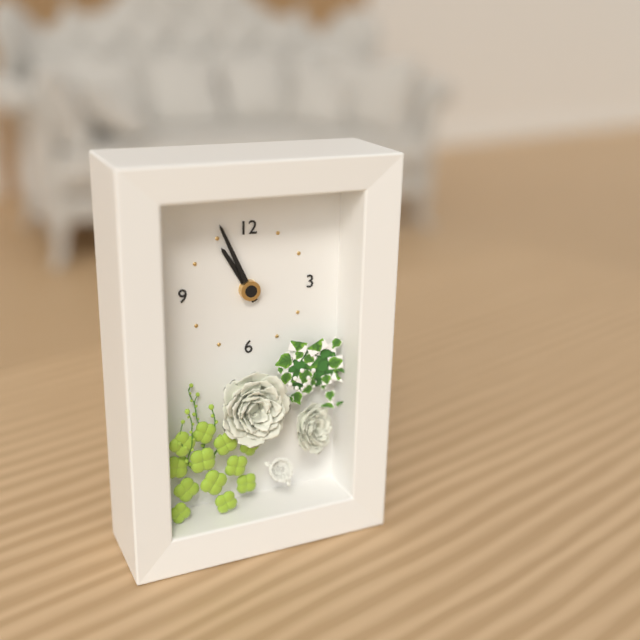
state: 10:56
